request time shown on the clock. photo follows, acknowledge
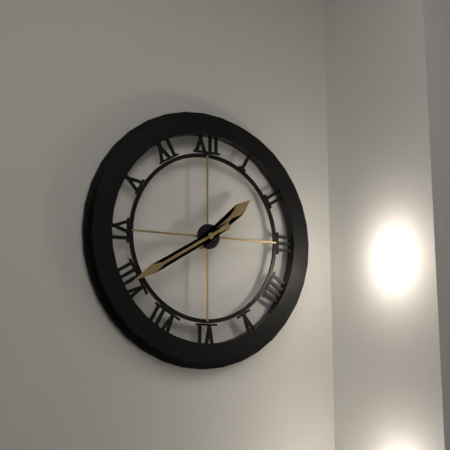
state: 1:40
